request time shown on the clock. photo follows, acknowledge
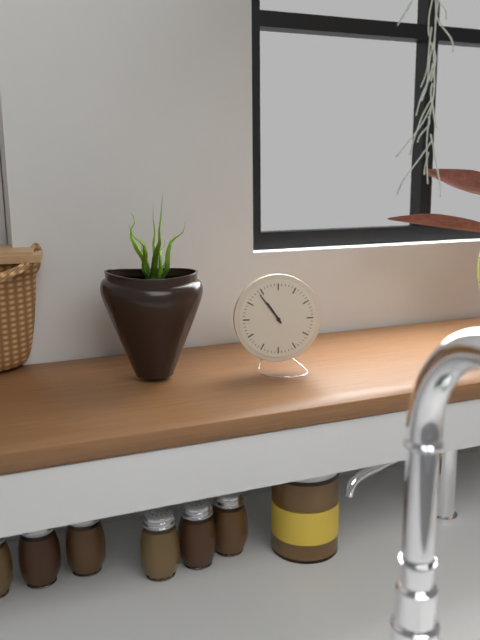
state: 10:54
